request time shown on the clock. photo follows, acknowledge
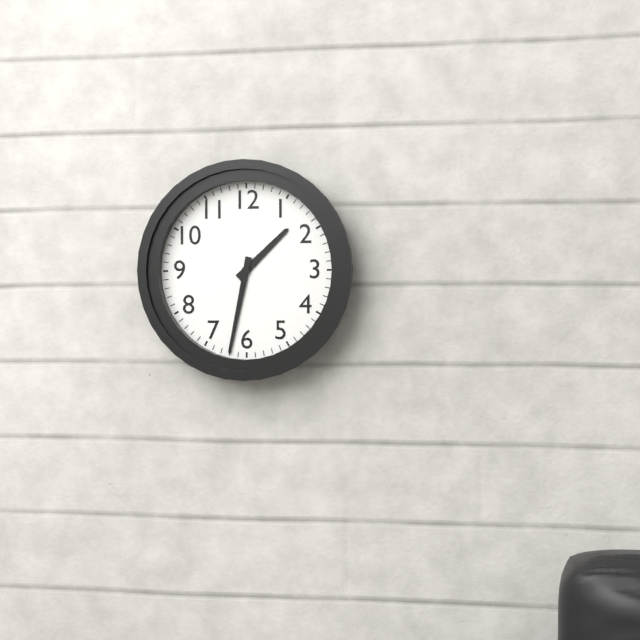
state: 1:32
